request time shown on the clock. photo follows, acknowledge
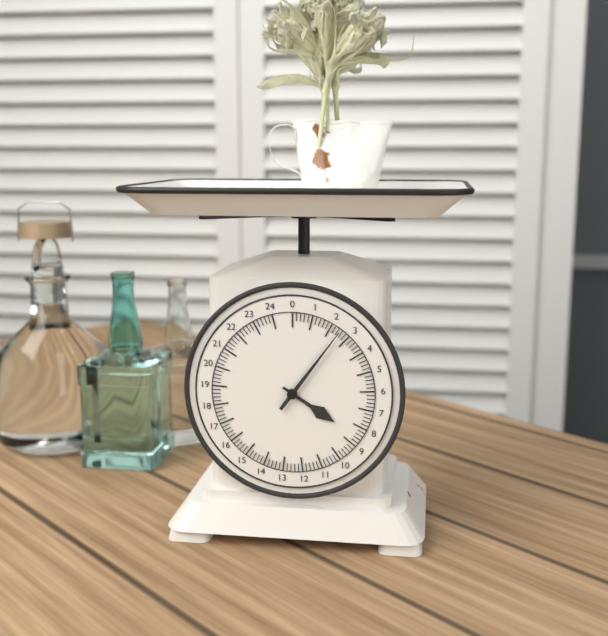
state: 4:06
